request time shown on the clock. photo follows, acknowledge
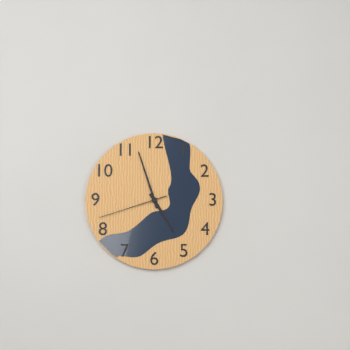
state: 4:57:42
